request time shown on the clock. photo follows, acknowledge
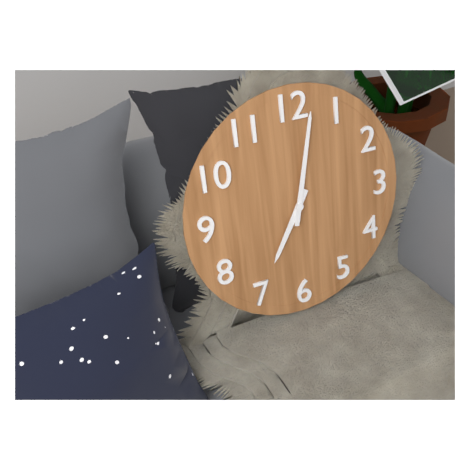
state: 7:02
